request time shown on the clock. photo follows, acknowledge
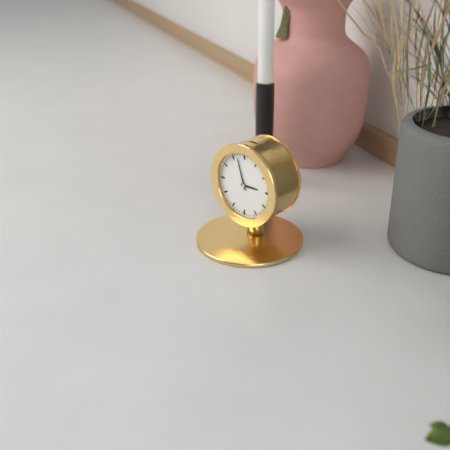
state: 2:57
